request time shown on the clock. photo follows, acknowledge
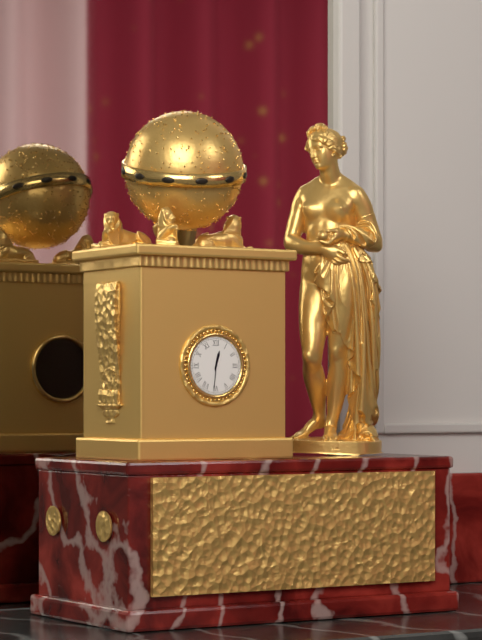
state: 12:31
